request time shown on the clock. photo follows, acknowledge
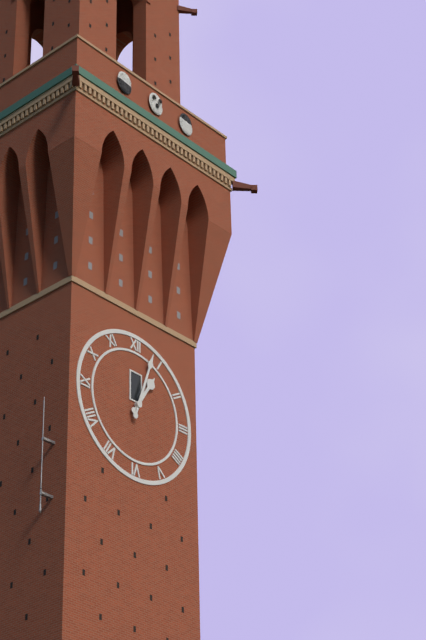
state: 1:03
